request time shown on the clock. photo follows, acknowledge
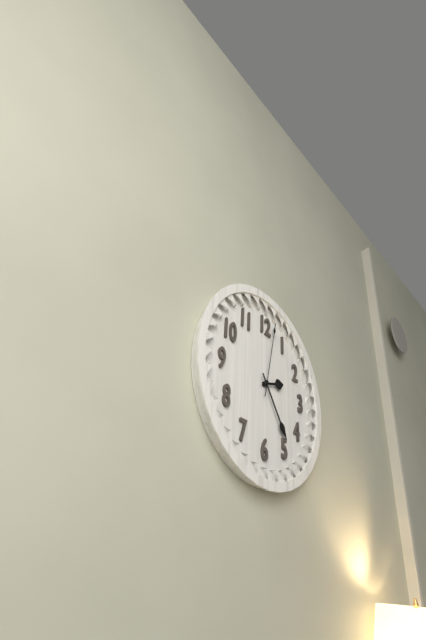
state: 2:24:02
